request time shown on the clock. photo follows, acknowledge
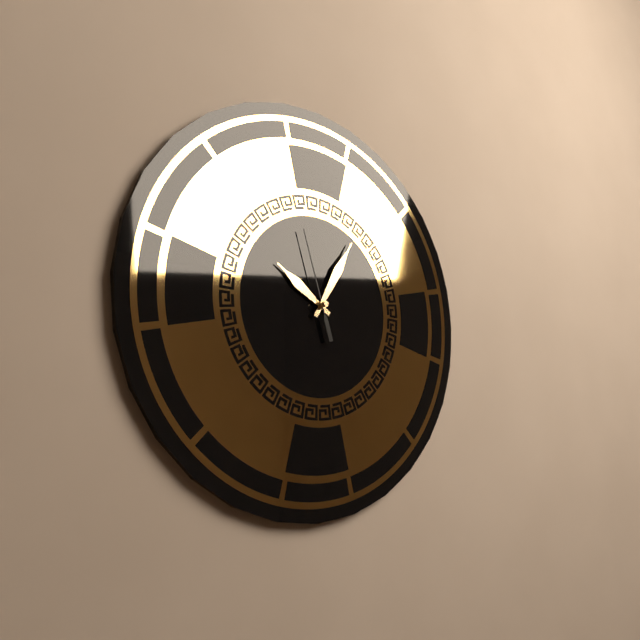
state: 10:05:57
